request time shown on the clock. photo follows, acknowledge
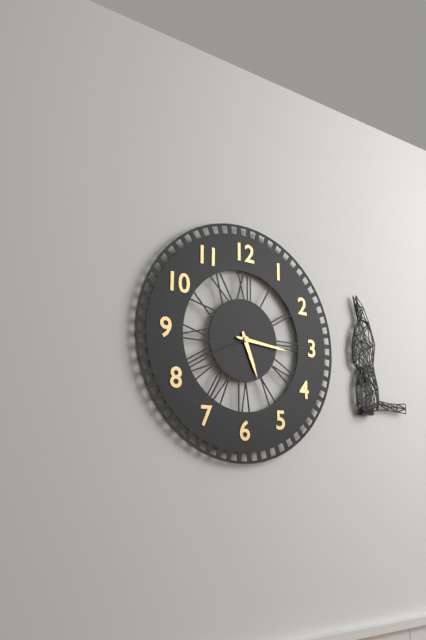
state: 5:16
